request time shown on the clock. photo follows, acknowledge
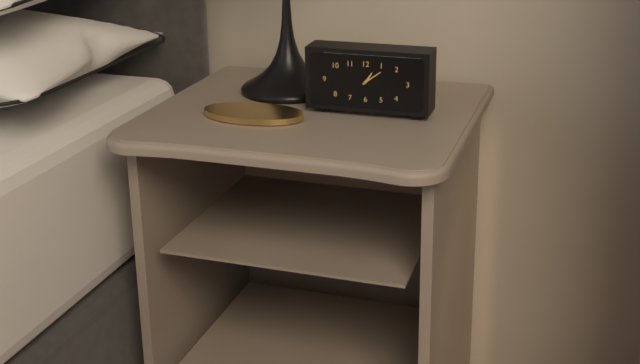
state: 1:09
